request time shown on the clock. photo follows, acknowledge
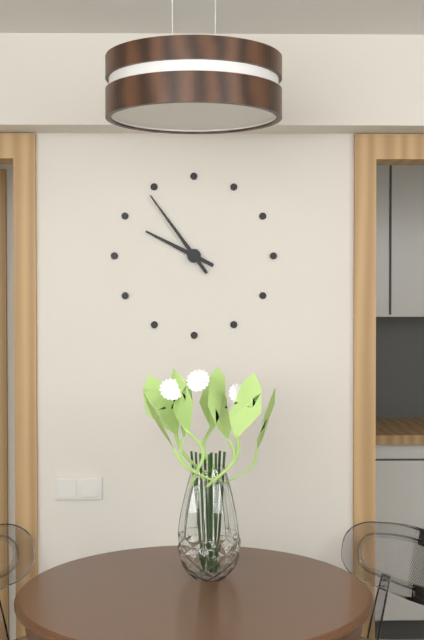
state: 9:54
